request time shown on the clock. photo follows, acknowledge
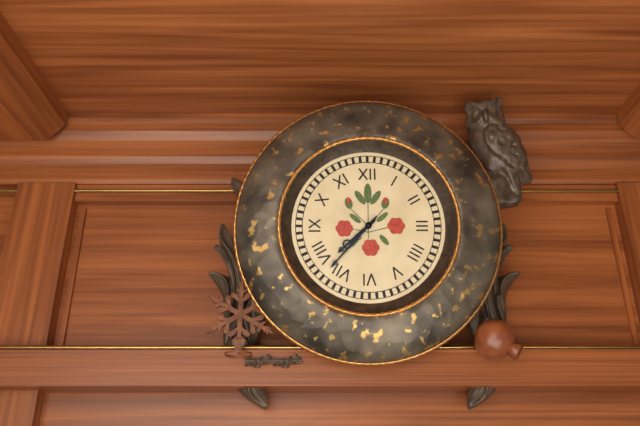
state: 7:37
